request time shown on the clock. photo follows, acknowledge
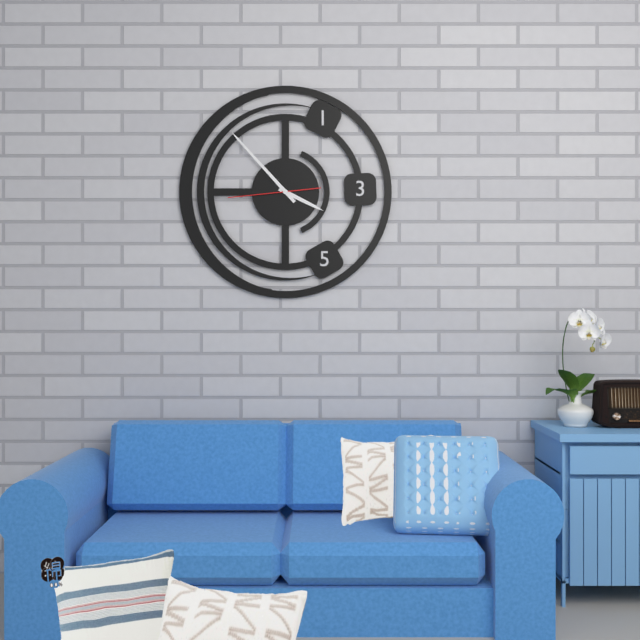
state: 3:53:44
